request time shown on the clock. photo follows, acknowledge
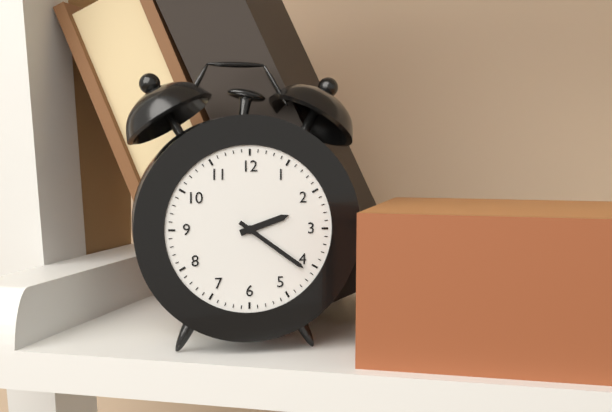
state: 2:21
